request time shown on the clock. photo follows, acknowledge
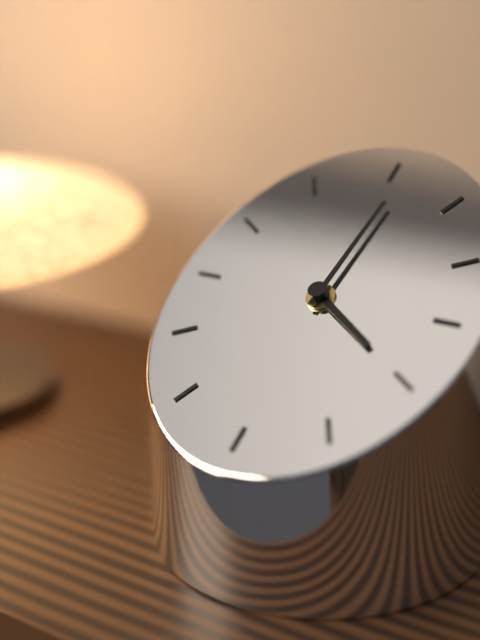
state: 4:01
